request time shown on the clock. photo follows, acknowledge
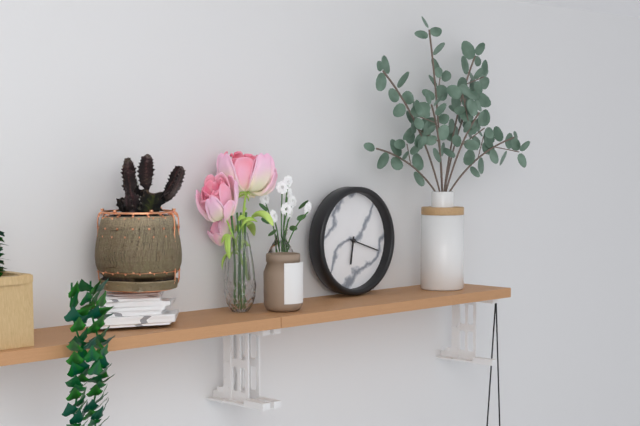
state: 6:18
